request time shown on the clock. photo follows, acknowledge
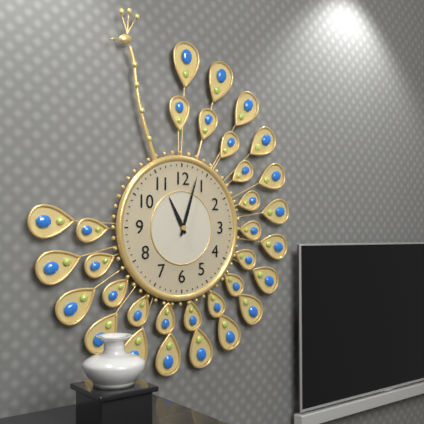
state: 11:03
